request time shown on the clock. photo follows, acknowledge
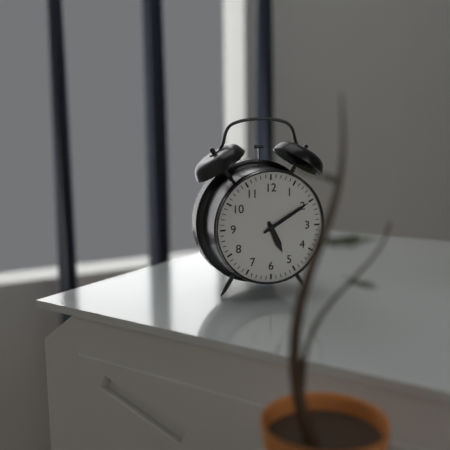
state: 5:10
